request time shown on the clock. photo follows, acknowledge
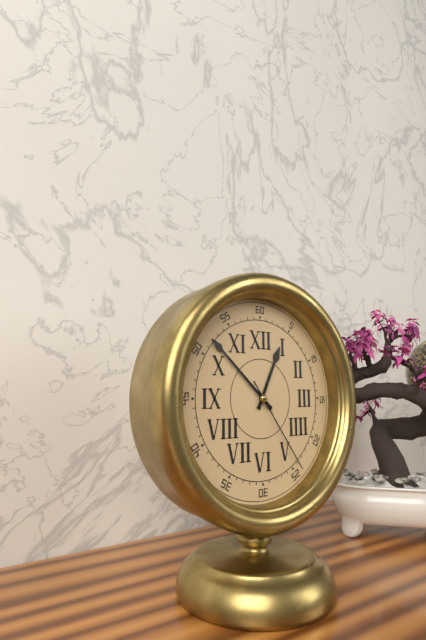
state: 12:52:24
